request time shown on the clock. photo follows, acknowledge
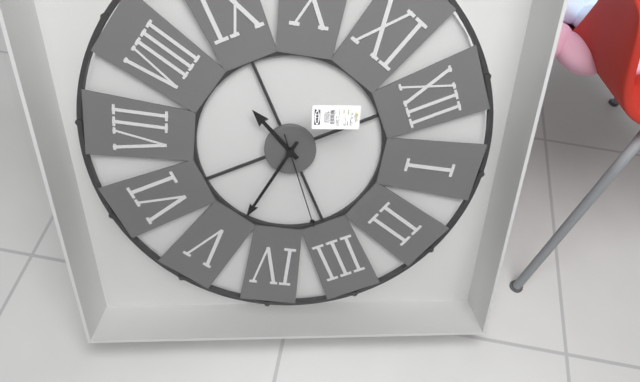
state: 8:24:16
